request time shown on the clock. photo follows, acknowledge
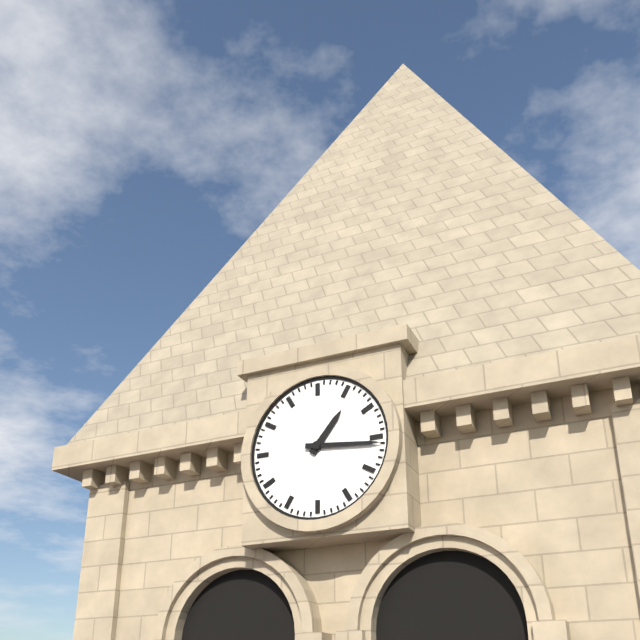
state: 1:16
